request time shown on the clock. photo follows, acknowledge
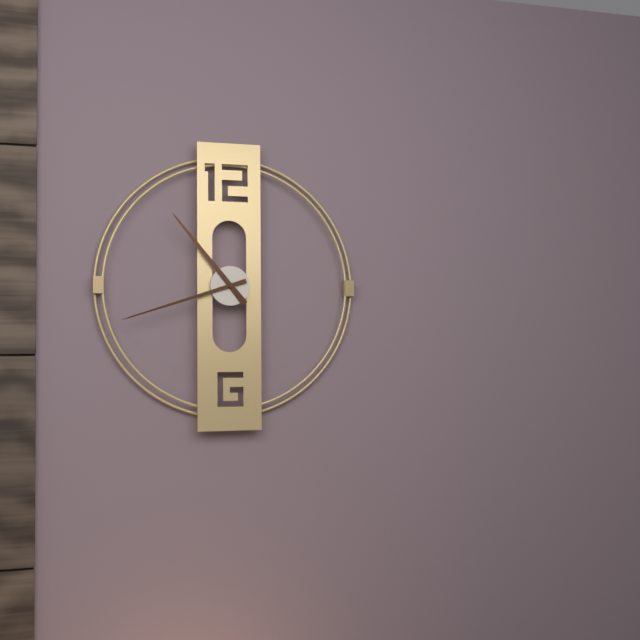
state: 10:42
